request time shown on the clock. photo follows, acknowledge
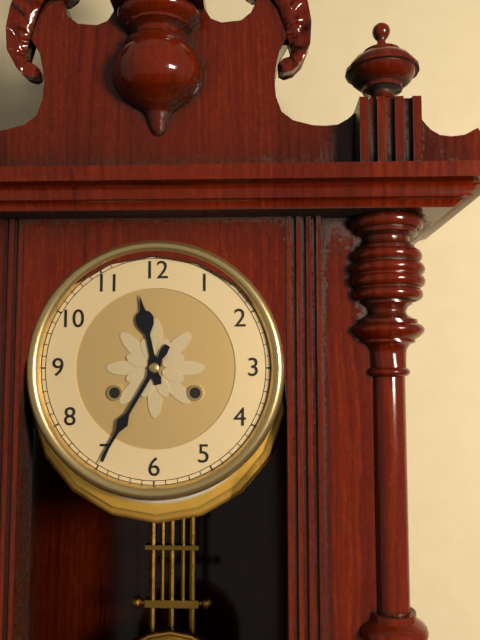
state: 11:35
